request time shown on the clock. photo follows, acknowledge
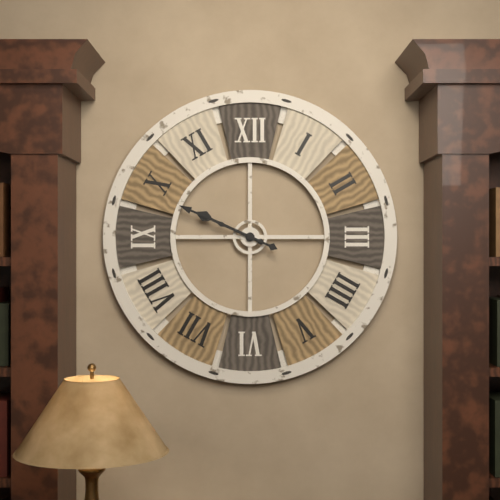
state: 9:49
